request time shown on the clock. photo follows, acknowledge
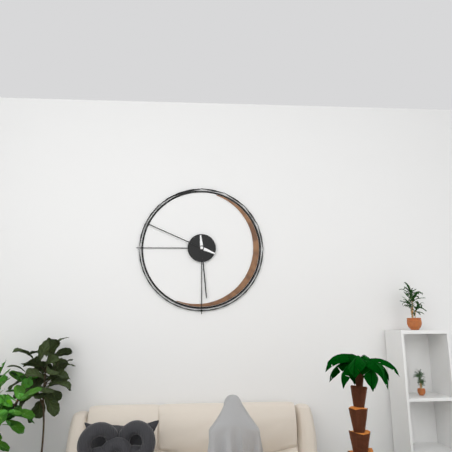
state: 5:49
